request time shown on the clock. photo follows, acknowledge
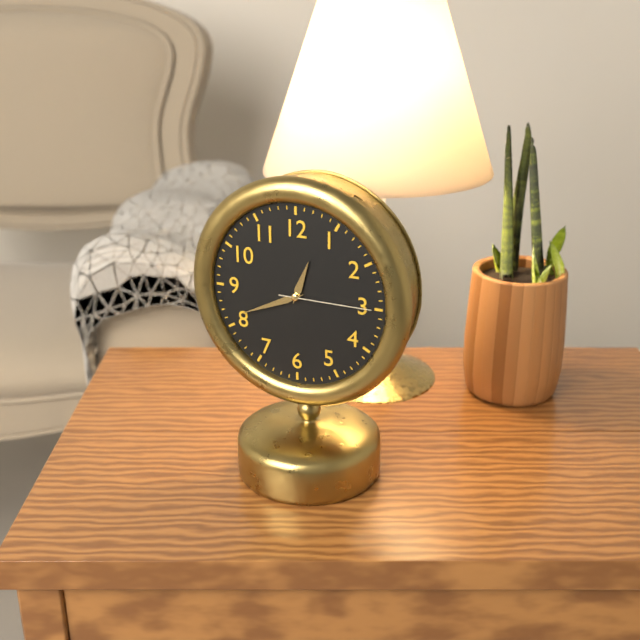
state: 12:41:15
